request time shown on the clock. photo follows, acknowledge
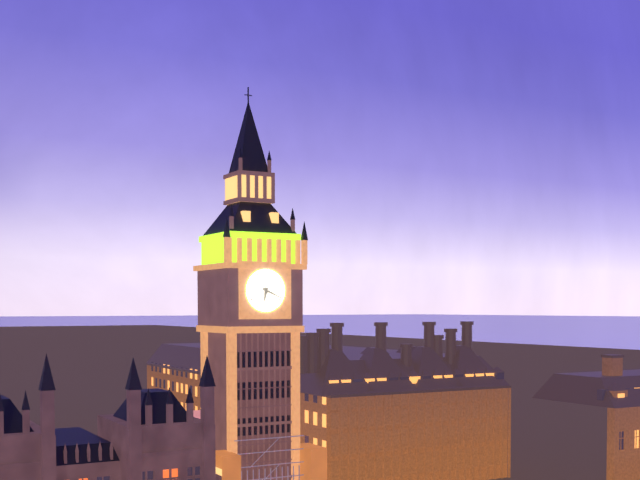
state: 6:19
